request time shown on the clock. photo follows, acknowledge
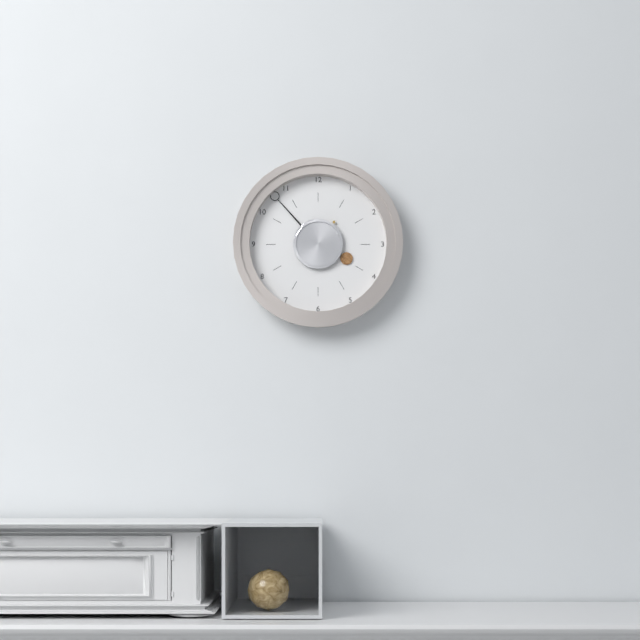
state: 3:53
